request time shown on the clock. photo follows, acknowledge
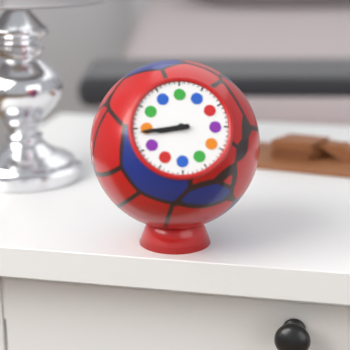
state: 8:44
